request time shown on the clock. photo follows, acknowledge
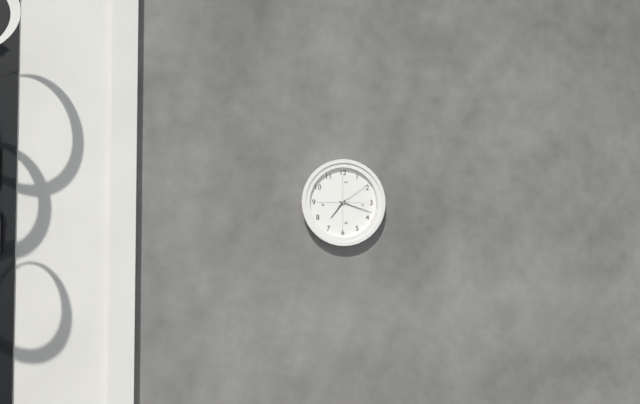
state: 7:18
